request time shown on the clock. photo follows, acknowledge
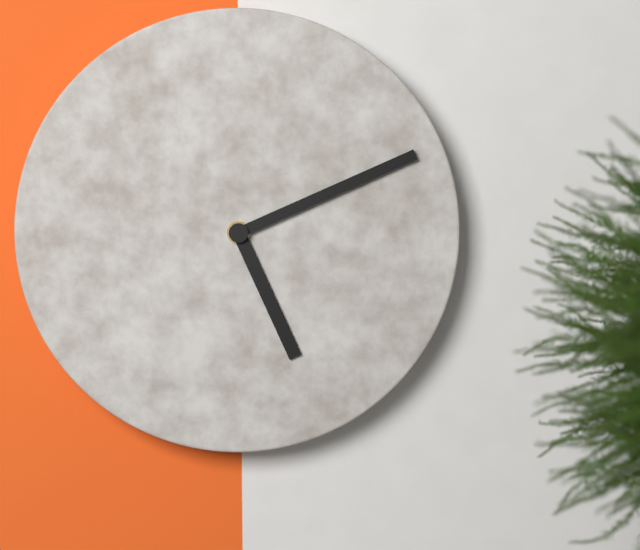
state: 5:11
